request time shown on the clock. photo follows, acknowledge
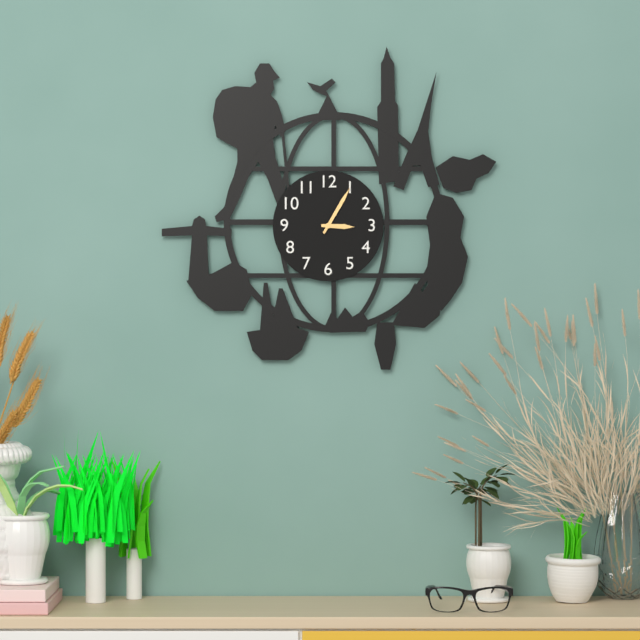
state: 3:05
